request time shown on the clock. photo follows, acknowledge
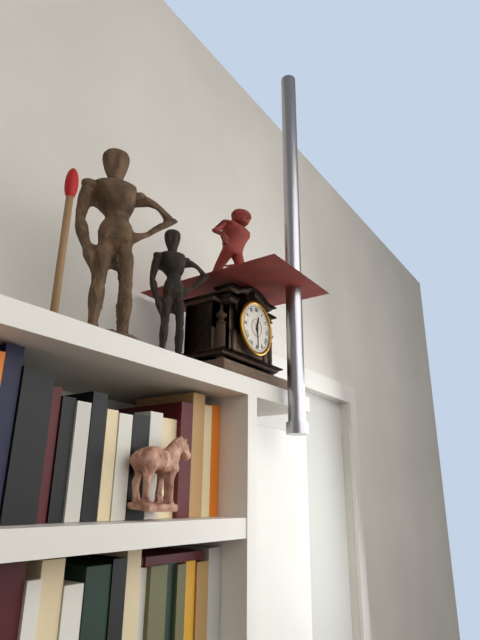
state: 12:29
